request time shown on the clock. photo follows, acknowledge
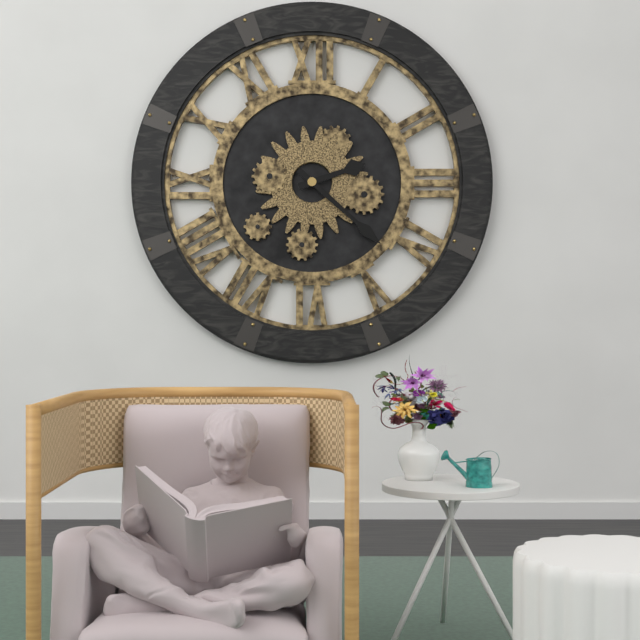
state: 2:22
